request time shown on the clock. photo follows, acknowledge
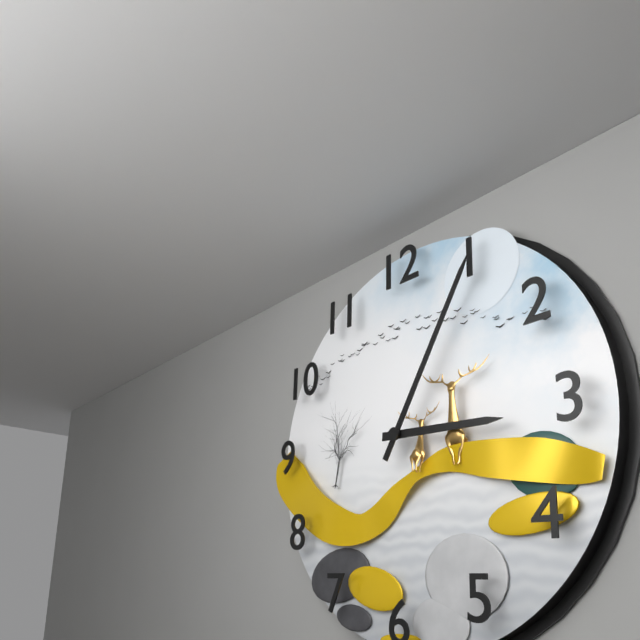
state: 3:05
